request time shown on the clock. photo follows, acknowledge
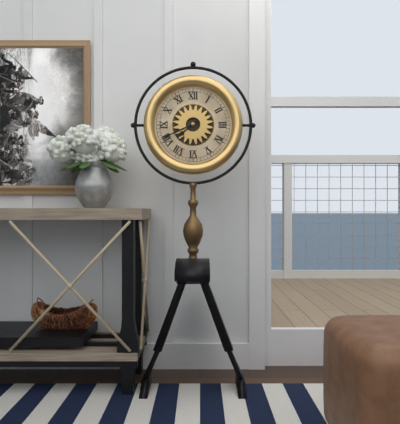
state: 7:41
